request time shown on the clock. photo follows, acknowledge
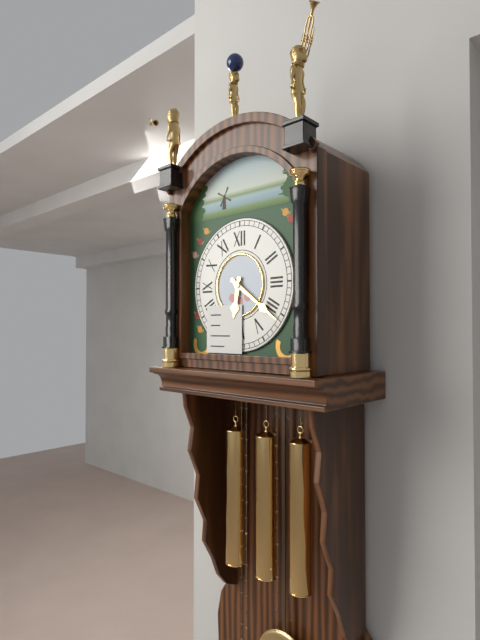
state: 6:21
